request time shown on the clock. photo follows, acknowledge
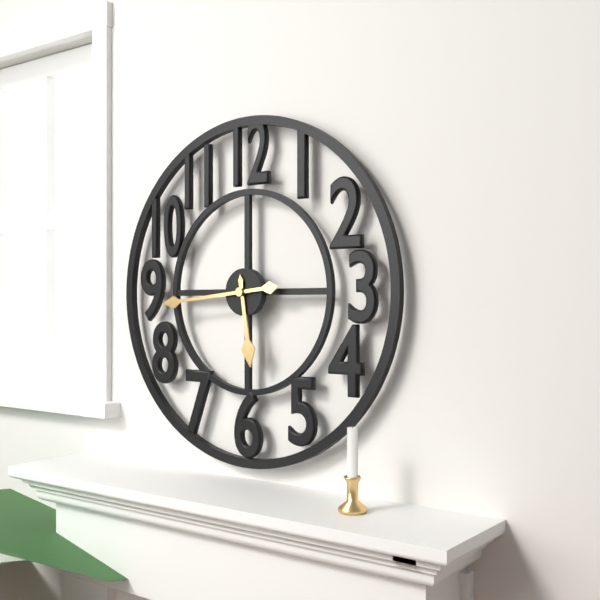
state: 5:44
